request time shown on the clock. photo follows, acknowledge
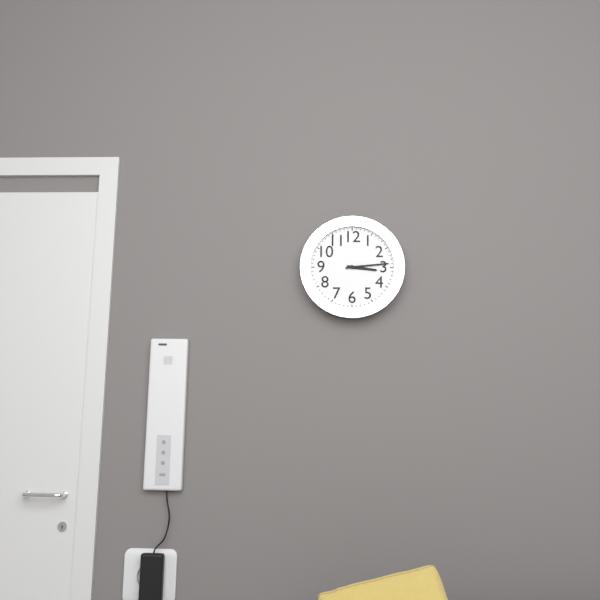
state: 3:14
